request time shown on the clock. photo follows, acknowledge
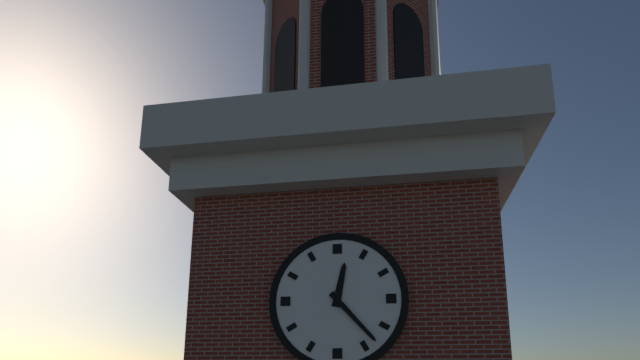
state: 12:23
